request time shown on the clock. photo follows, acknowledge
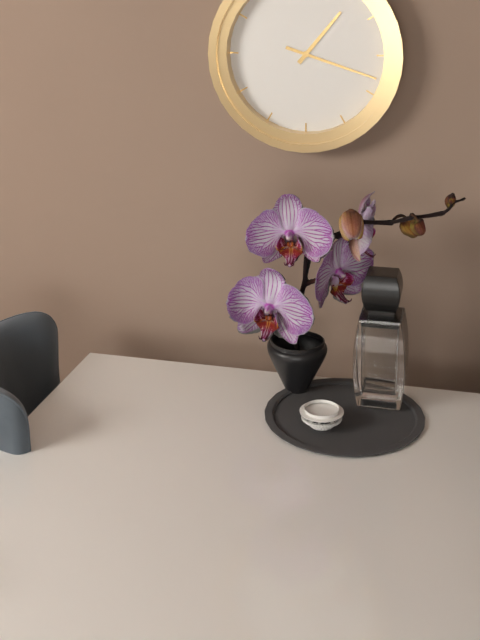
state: 1:18
